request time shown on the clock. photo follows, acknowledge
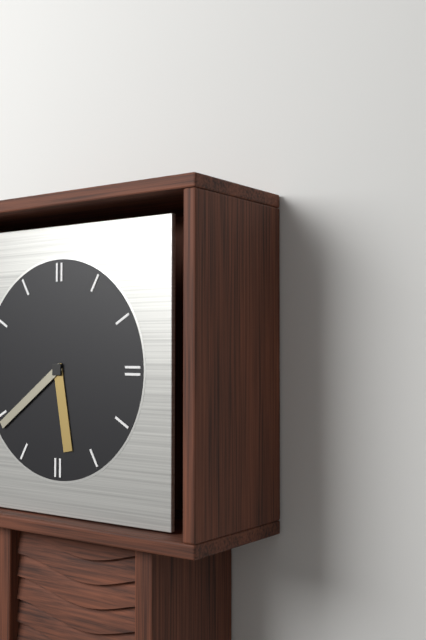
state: 5:39
